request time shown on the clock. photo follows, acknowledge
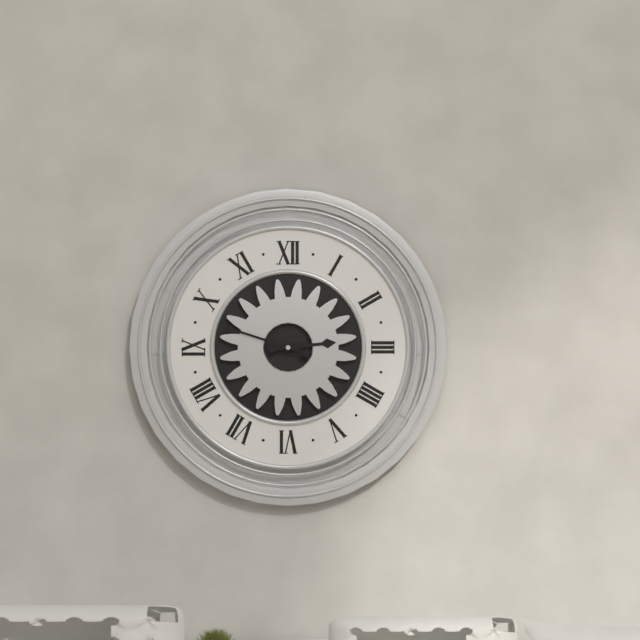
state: 2:48
